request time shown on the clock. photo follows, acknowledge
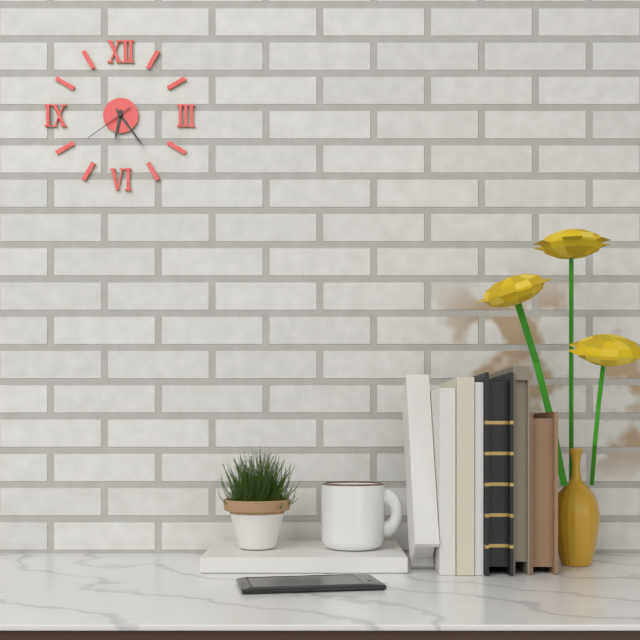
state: 6:24:39
